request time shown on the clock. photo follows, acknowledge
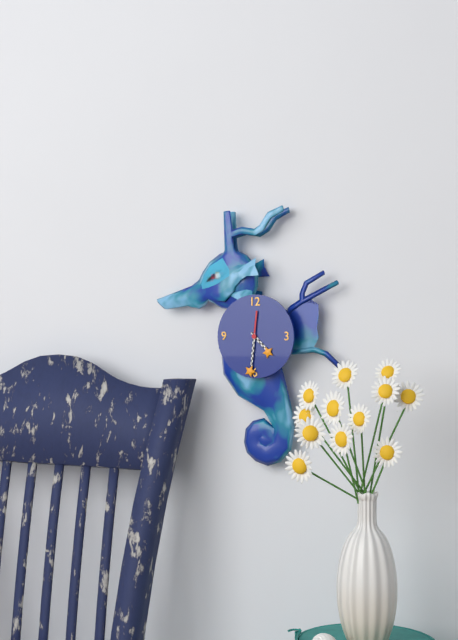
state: 4:31
